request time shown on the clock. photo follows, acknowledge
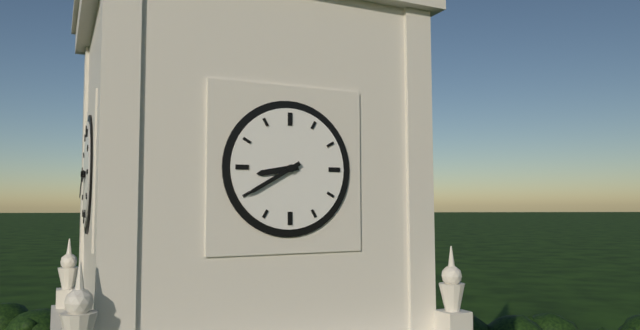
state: 8:40
